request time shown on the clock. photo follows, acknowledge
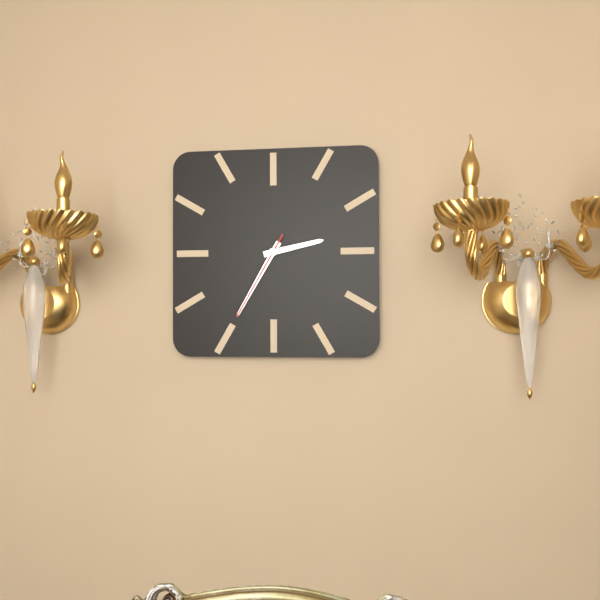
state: 2:35:35
